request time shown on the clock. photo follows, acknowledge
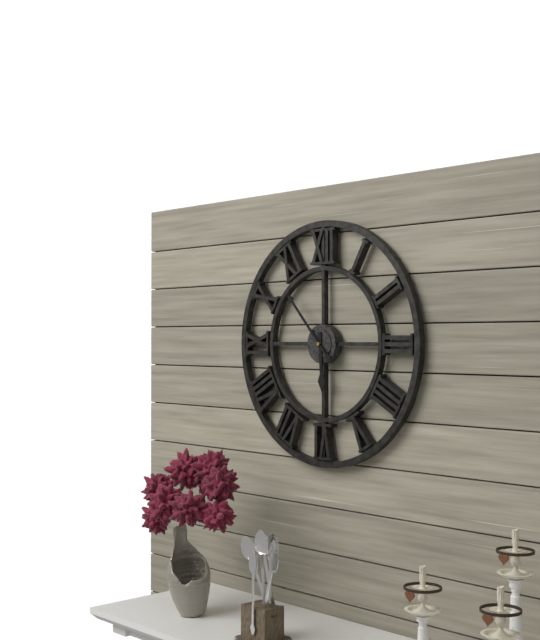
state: 5:53
